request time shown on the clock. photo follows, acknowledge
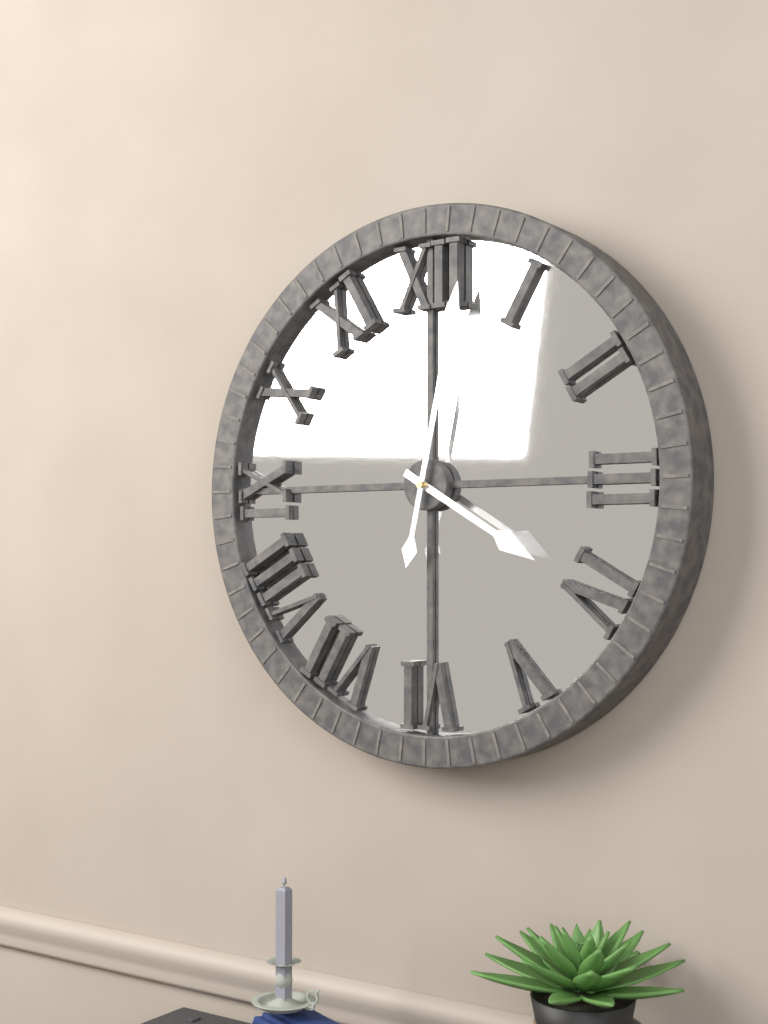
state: 4:02
